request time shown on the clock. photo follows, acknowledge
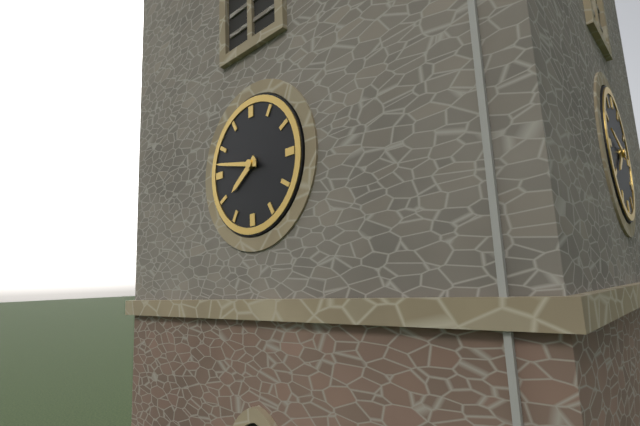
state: 7:47
